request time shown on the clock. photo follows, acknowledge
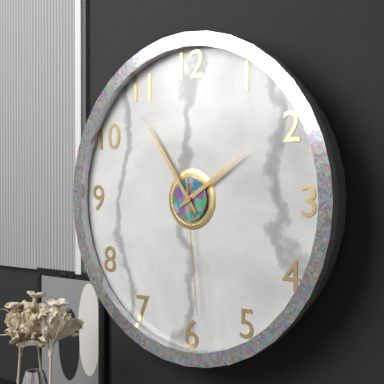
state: 1:54:29
